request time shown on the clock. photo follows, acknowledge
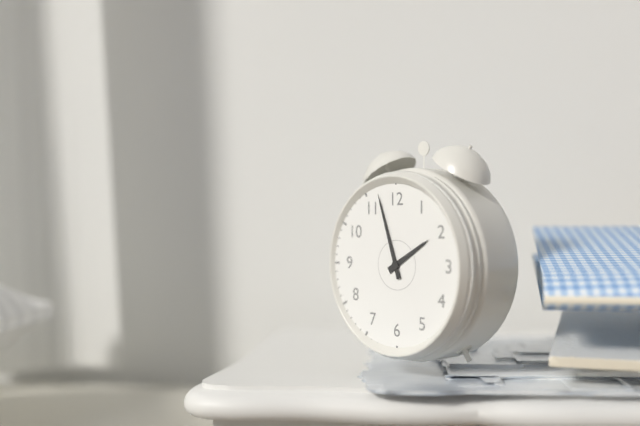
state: 1:57
